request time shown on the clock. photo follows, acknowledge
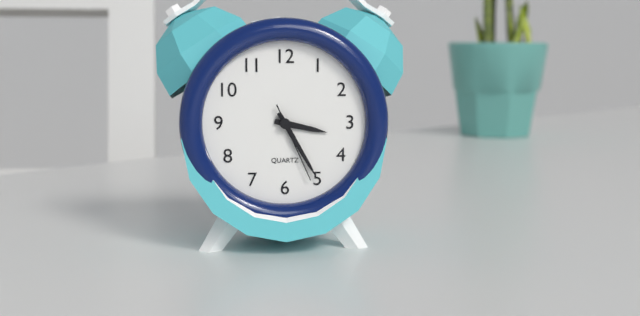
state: 3:25:26
